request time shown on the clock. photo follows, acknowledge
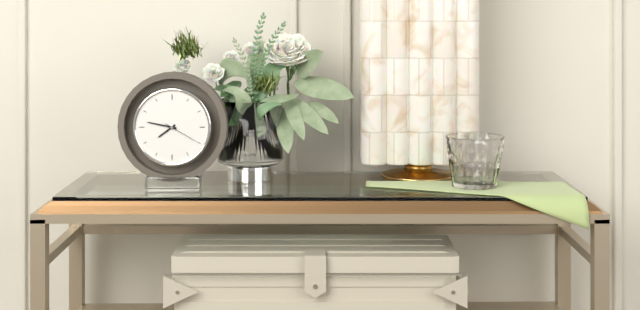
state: 7:47
